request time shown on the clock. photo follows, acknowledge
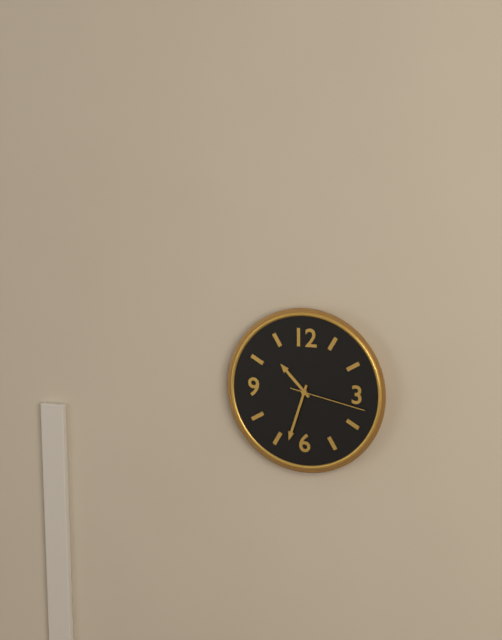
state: 10:33:17
